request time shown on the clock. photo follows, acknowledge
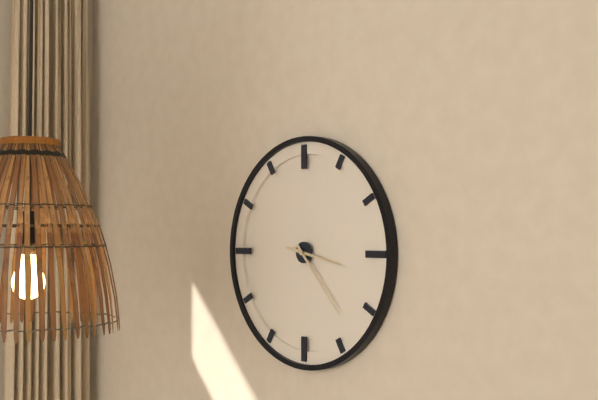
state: 3:23
